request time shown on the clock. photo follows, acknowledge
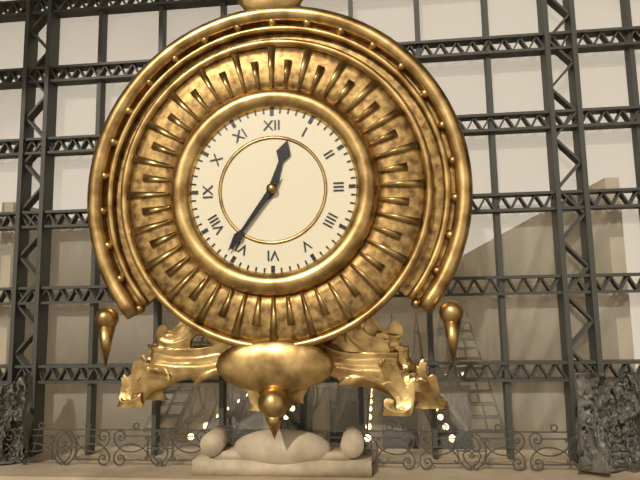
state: 12:36
